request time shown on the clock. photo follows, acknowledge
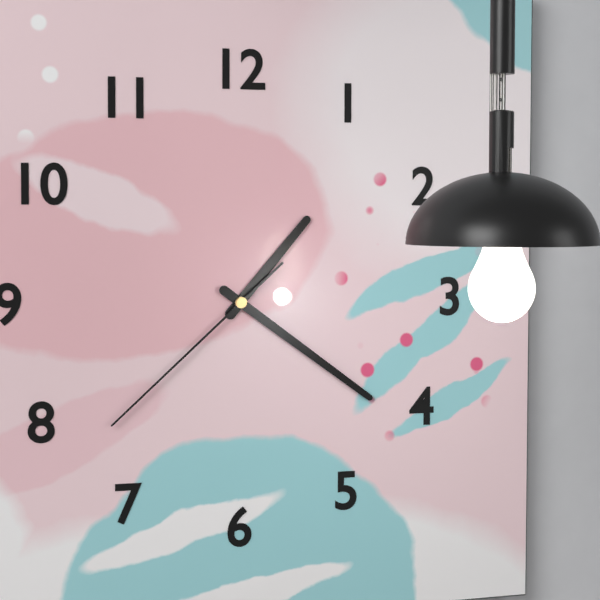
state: 1:21:38
